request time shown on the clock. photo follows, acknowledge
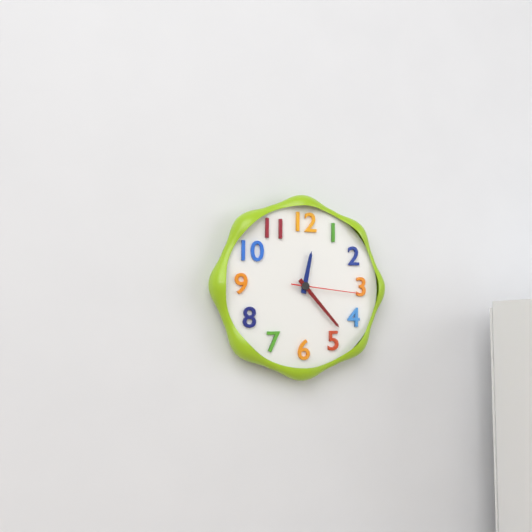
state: 12:23:16
